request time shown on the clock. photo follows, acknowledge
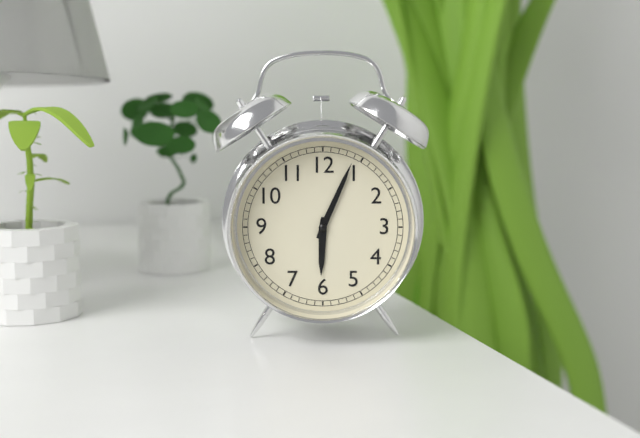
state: 6:04
